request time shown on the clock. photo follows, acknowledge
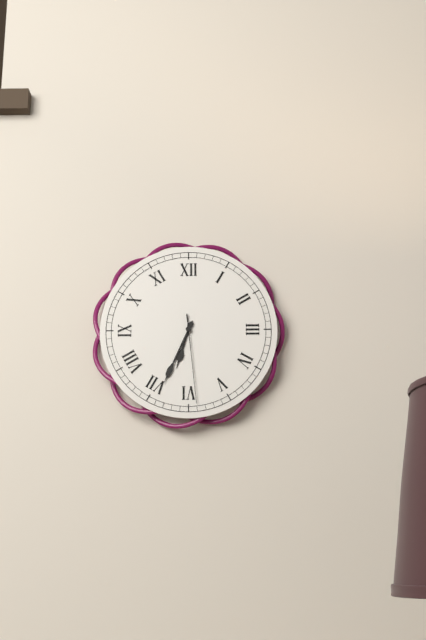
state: 6:34:29
